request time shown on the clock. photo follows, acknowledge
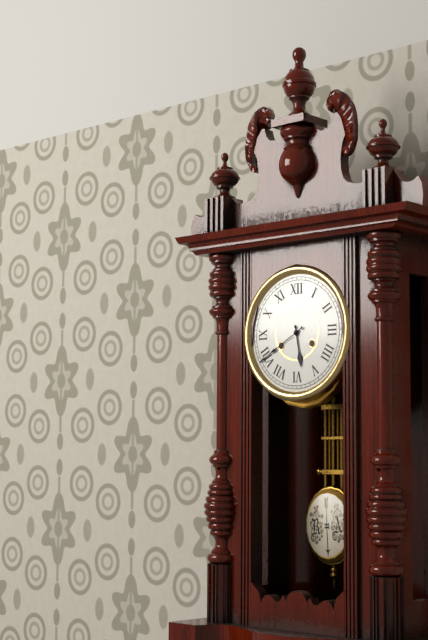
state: 5:40
